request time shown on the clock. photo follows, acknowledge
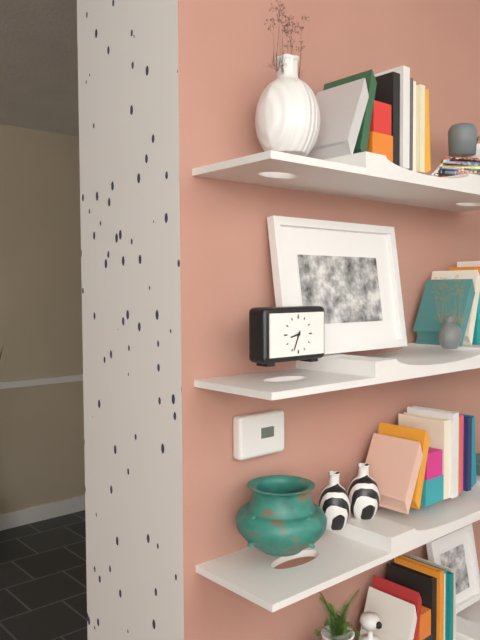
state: 8:34
